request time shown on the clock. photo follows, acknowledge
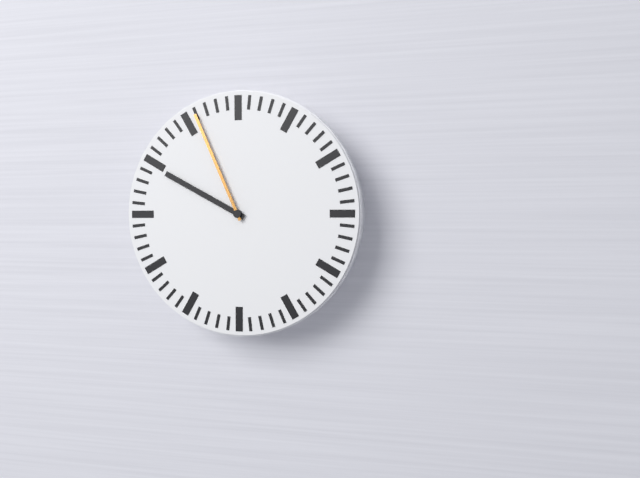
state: 9:56
